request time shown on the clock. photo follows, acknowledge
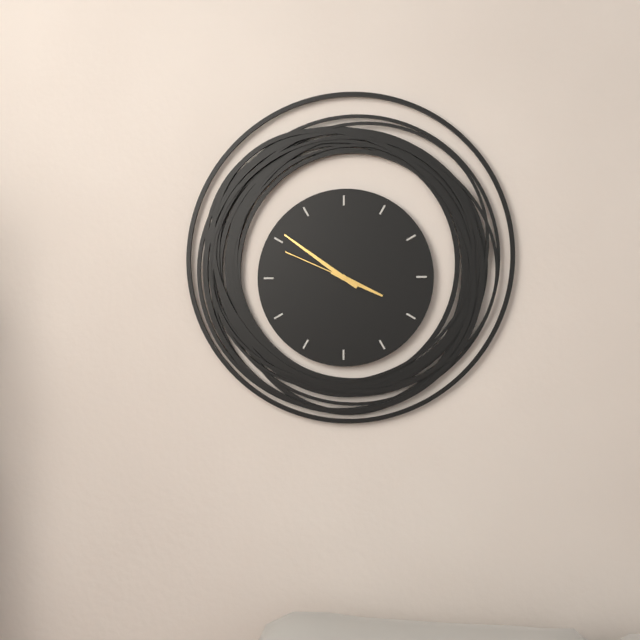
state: 3:51:49
